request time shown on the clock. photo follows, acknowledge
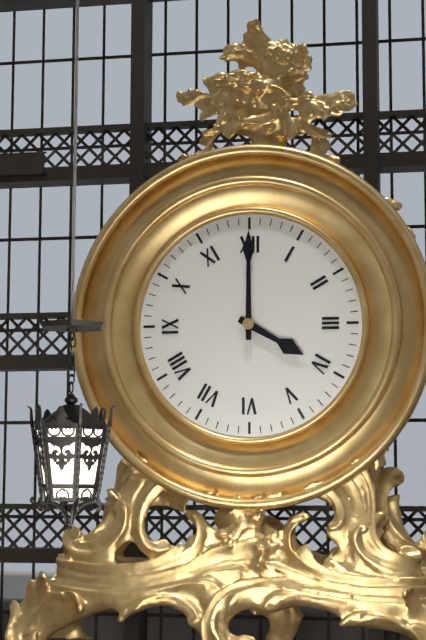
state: 4:00
